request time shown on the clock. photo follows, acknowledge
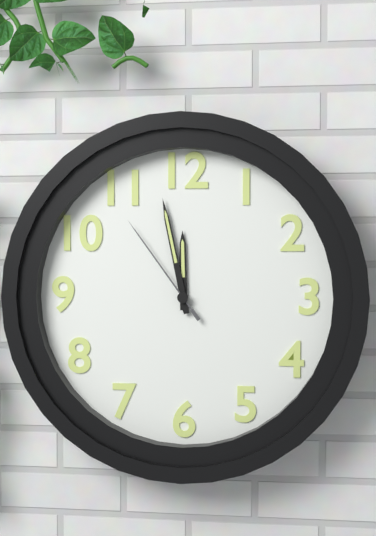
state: 11:58:54
